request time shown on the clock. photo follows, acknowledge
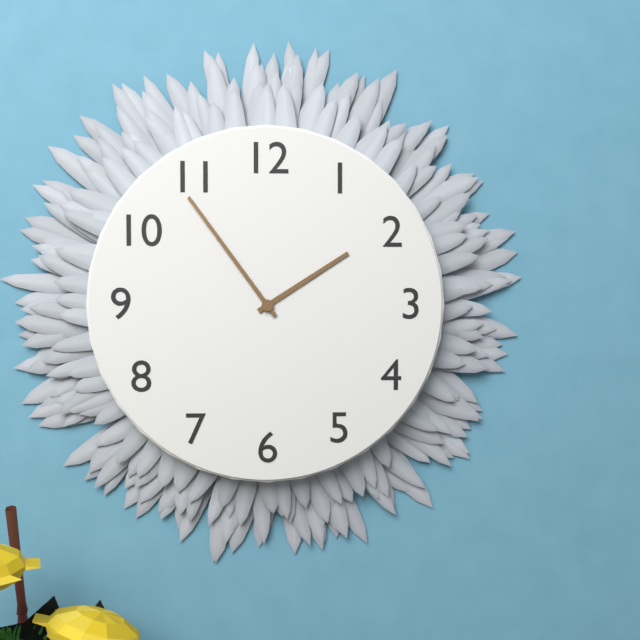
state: 1:54
